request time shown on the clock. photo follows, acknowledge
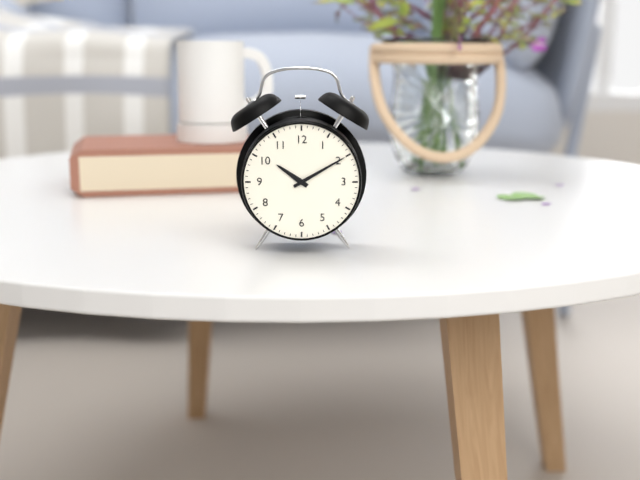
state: 10:10
